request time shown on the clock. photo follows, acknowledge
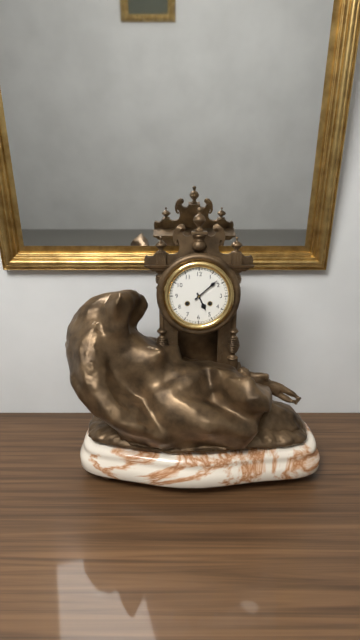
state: 5:08
